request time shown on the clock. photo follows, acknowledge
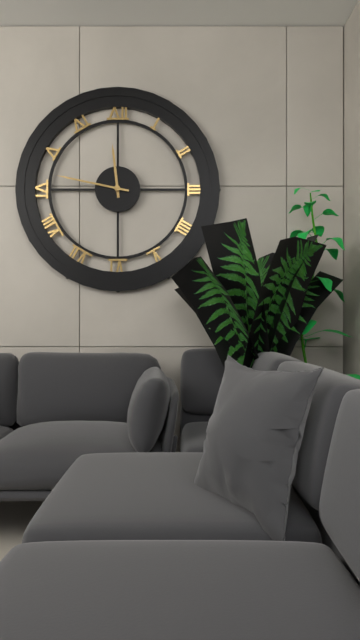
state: 11:47
